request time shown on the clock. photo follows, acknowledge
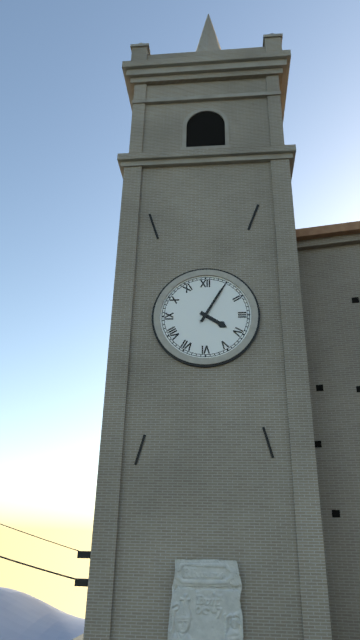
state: 4:05
